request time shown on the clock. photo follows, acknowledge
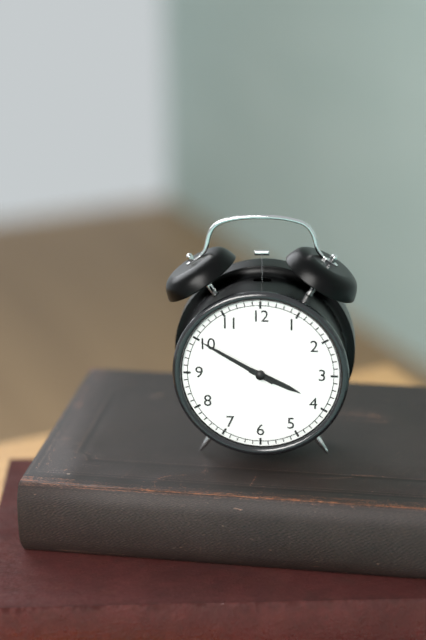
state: 3:50
